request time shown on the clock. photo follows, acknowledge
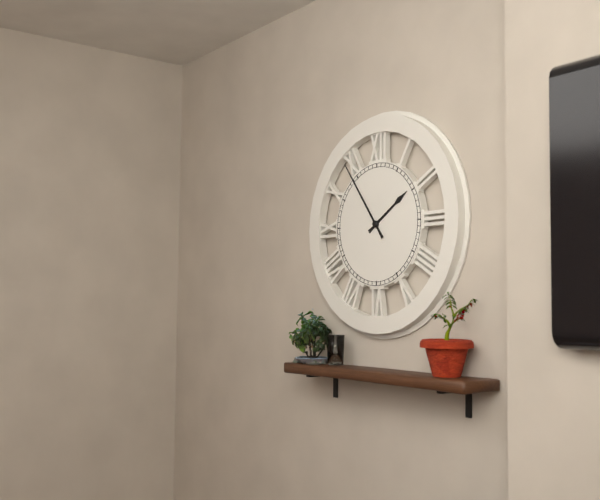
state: 1:54
